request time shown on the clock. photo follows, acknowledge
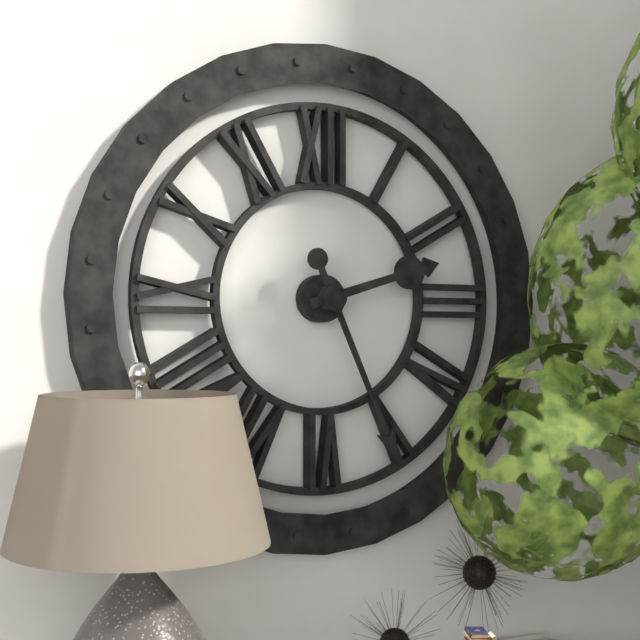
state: 2:26
